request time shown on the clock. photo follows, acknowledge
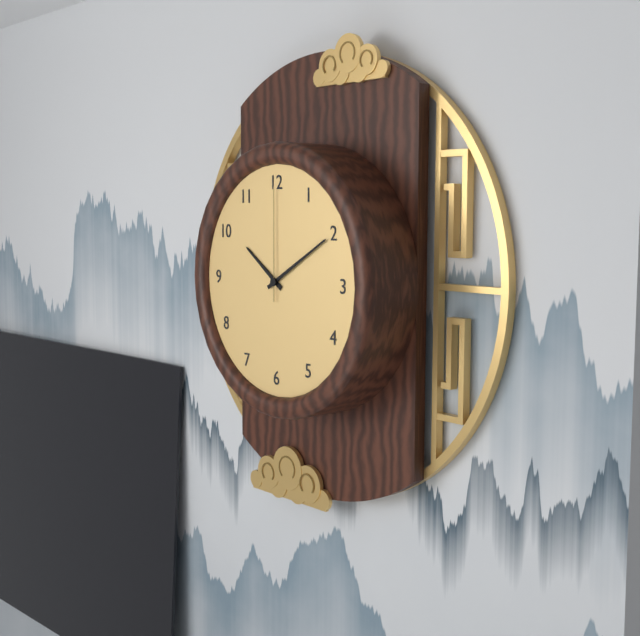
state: 10:10:00
